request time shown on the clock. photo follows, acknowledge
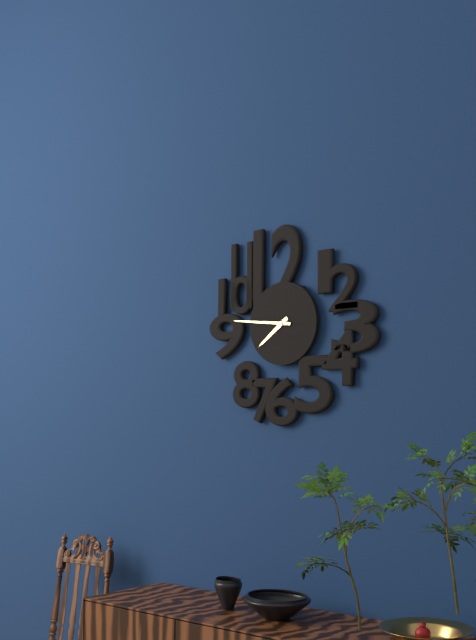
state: 7:46
